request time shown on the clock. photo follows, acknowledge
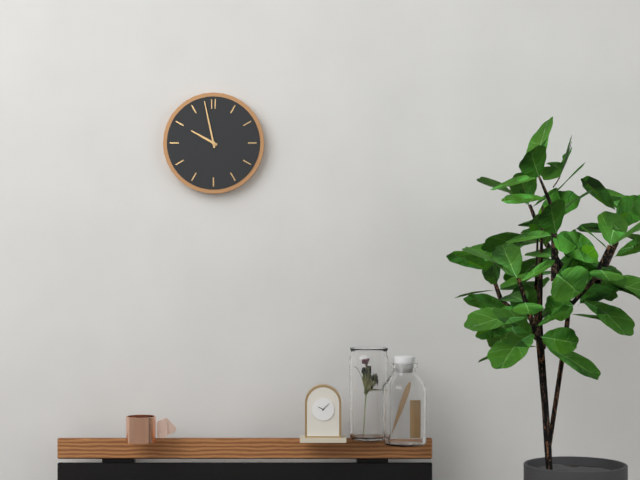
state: 9:58
